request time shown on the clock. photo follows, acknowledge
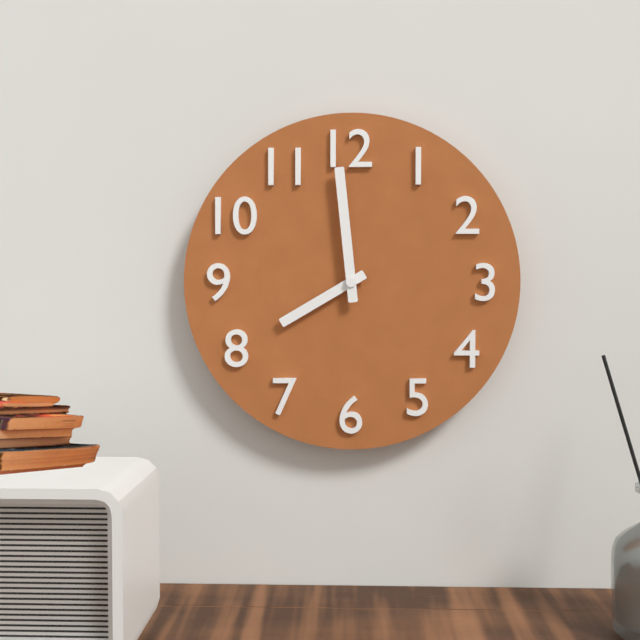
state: 7:59
